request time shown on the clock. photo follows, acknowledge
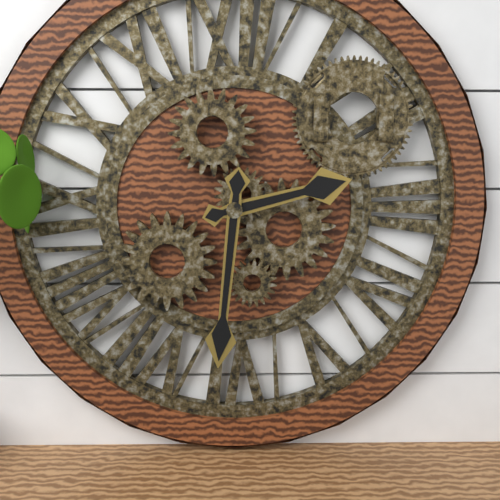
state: 2:31
